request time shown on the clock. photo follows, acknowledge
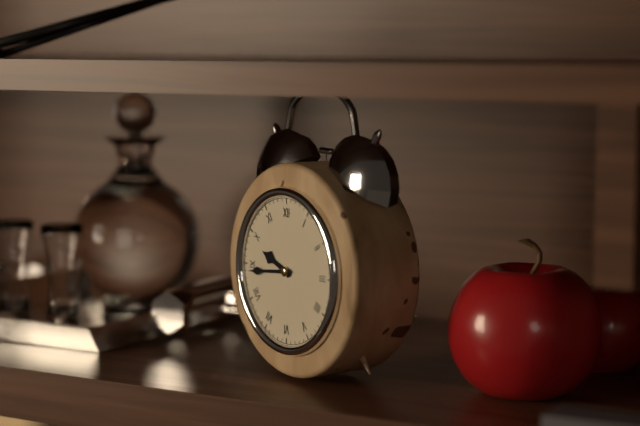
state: 9:44
